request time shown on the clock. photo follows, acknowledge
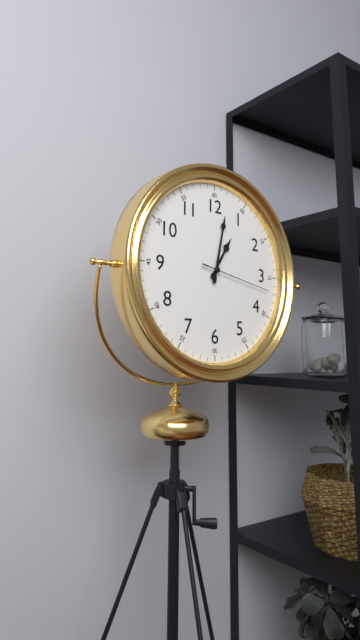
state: 1:02:17
